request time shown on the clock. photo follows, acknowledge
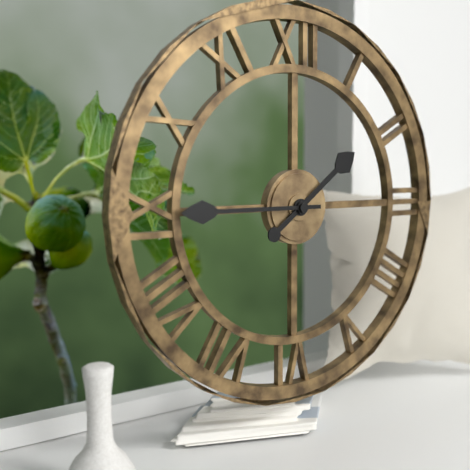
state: 1:45
